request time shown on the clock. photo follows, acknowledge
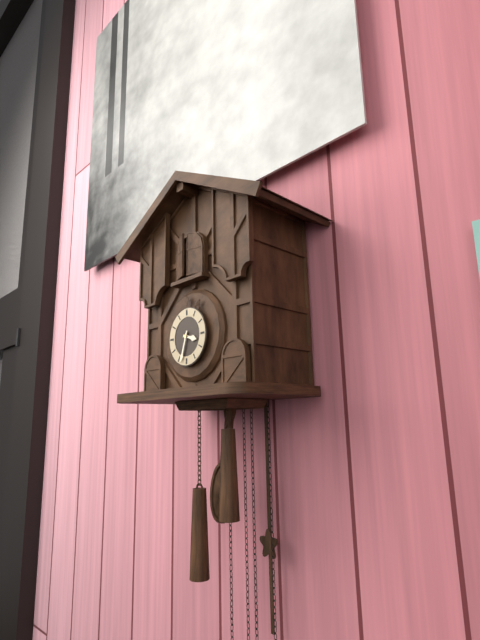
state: 3:33
